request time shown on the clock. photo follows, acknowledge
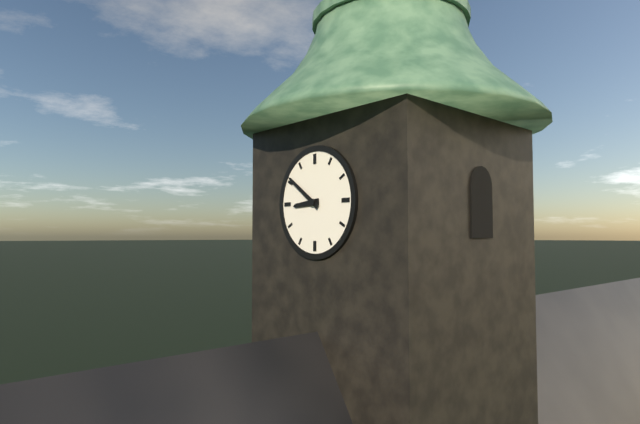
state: 8:51
